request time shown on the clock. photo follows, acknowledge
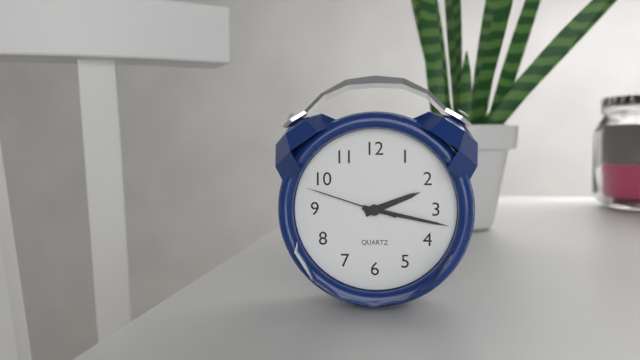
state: 2:17:48
